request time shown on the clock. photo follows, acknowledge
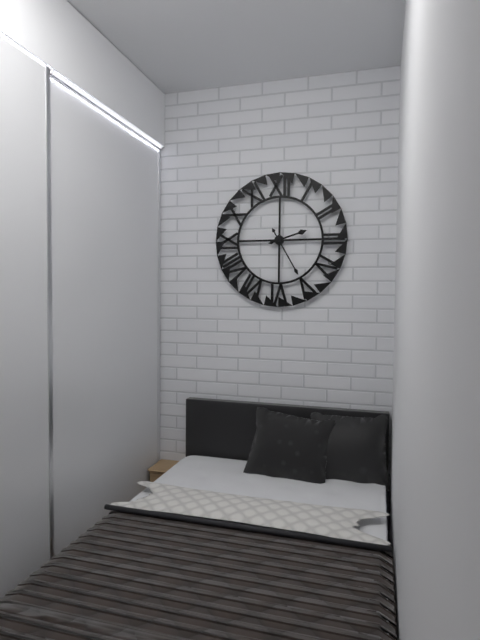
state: 2:25
